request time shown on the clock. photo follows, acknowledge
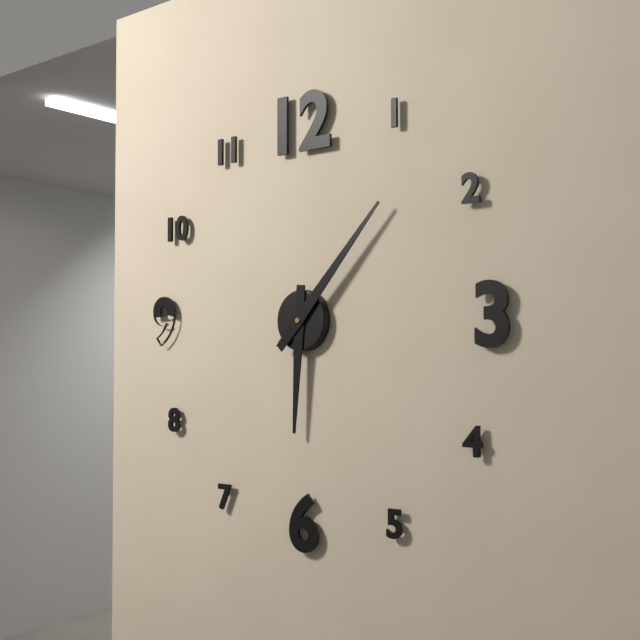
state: 6:07
